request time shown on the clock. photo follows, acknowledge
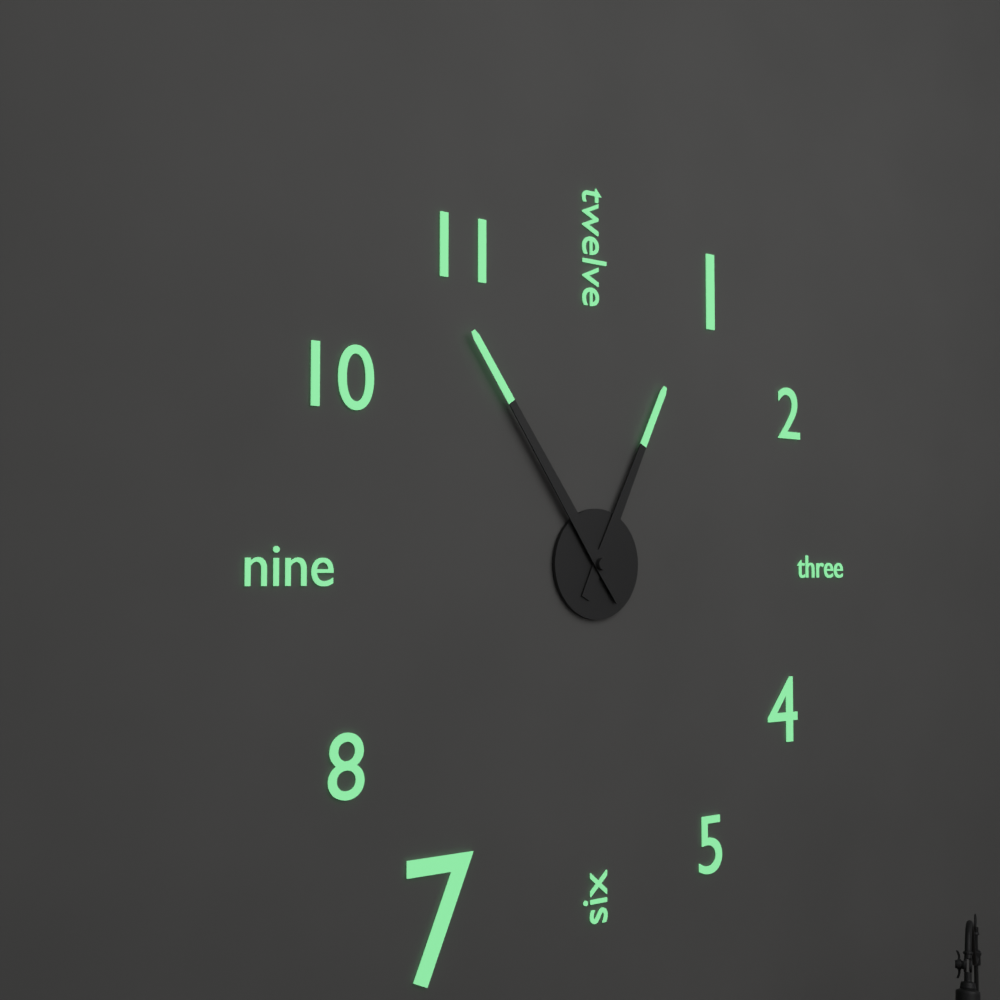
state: 12:54
